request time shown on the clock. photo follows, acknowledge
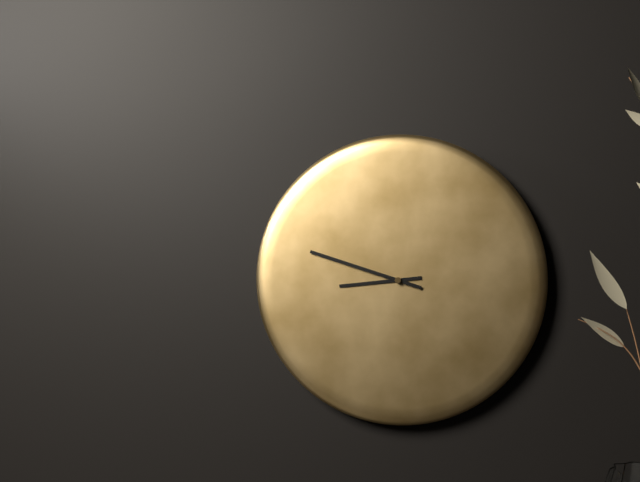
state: 8:48
